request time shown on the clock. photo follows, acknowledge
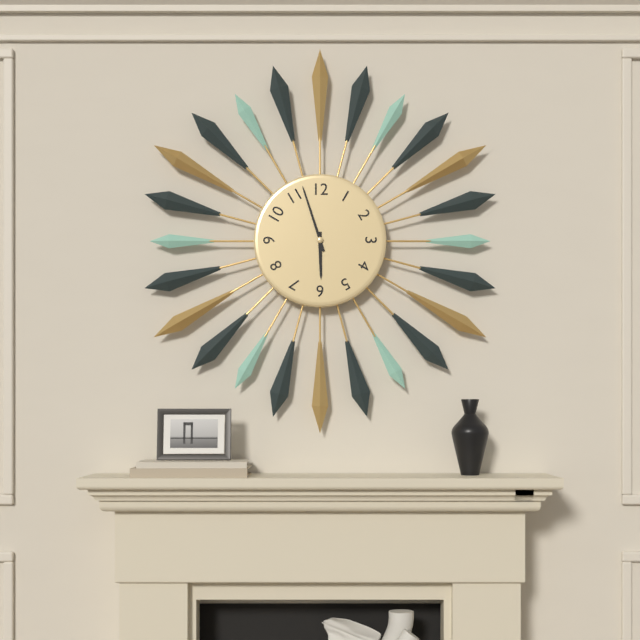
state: 5:57
